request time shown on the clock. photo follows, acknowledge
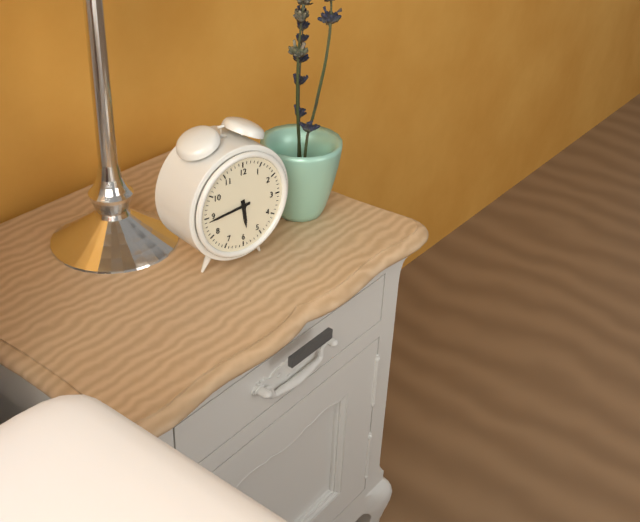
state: 5:44
